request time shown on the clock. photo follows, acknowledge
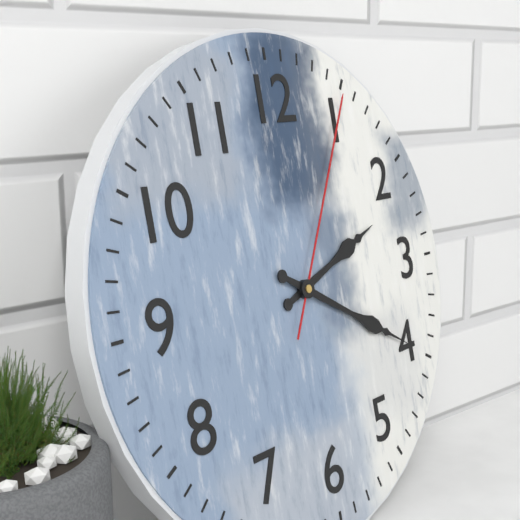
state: 2:20:05
